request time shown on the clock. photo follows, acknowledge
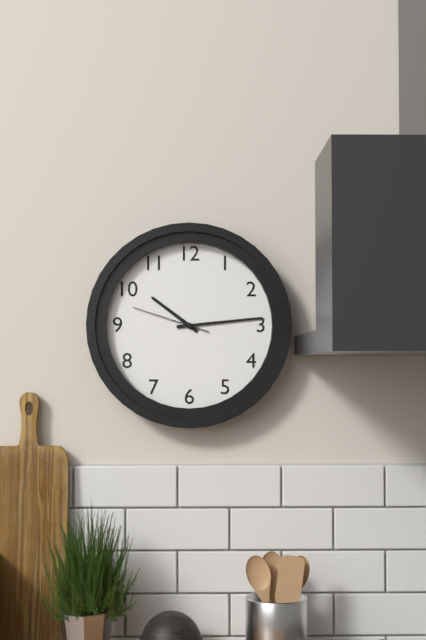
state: 10:14:48
